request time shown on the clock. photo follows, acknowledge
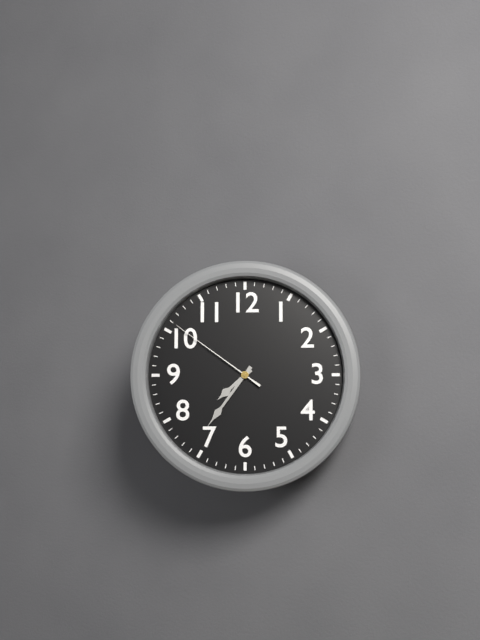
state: 7:36:51
